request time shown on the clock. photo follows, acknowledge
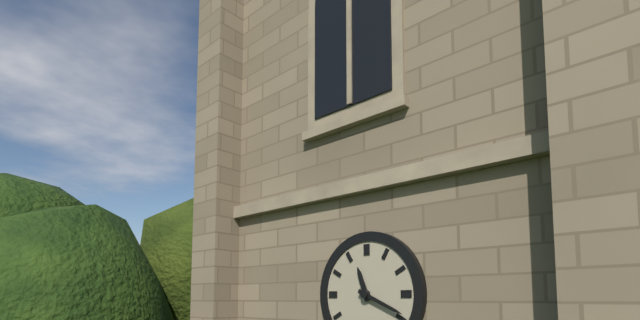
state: 11:19
